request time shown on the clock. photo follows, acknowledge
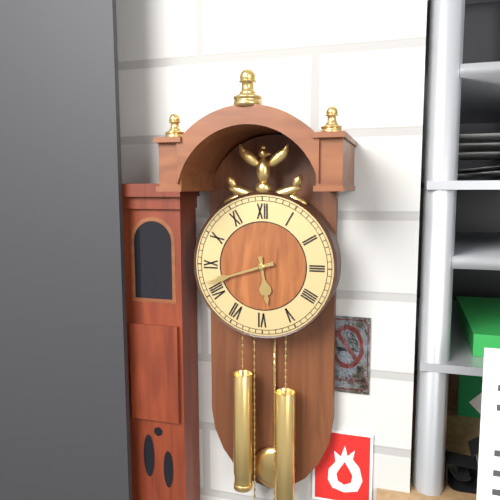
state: 5:42
